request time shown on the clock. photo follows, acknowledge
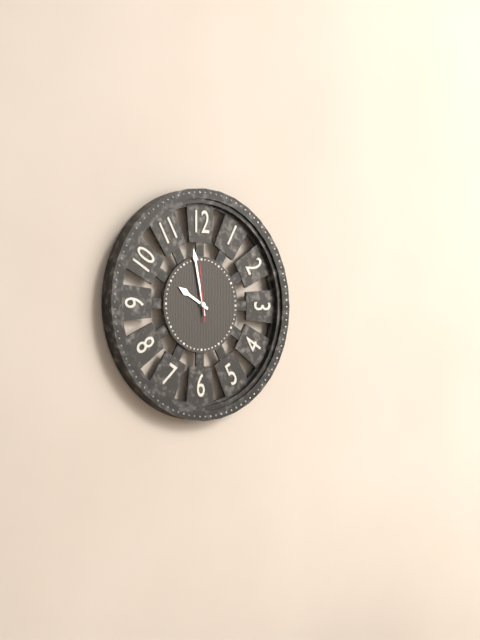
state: 9:58:59
